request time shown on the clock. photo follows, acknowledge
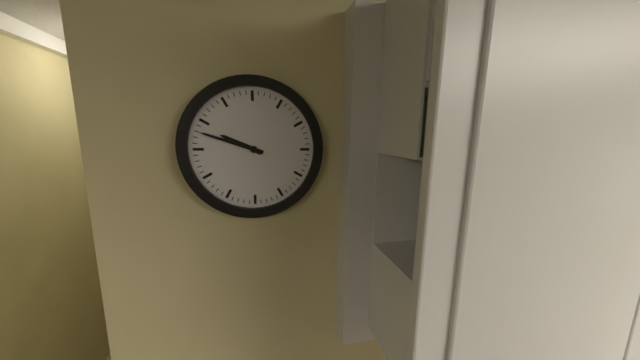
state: 9:48
